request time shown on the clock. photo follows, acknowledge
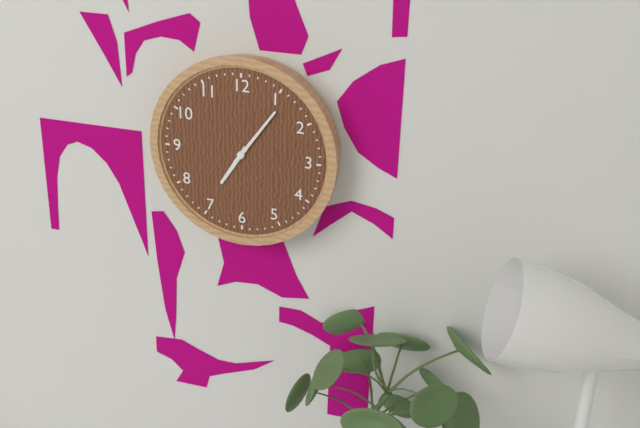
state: 7:06
